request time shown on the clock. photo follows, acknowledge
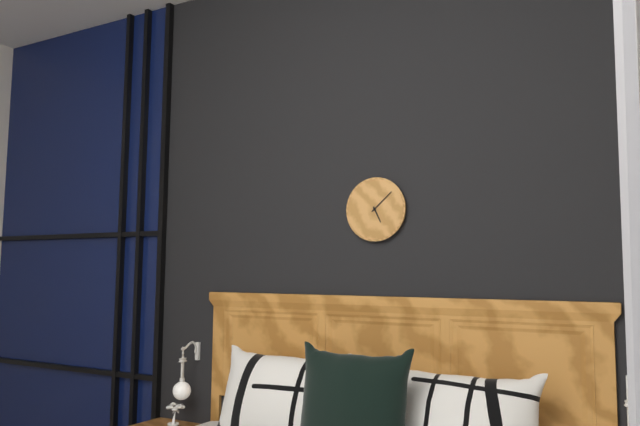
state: 5:08
